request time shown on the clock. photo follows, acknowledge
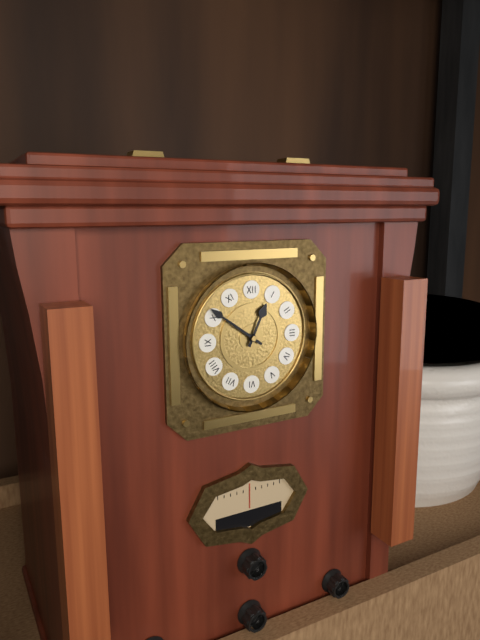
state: 12:51
